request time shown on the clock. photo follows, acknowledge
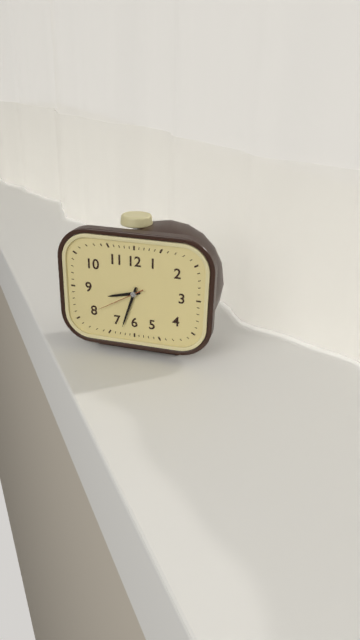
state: 8:33:40
